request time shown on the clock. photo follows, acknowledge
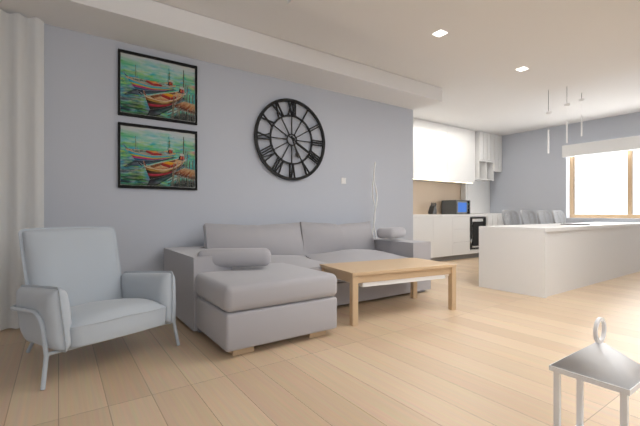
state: 5:20
